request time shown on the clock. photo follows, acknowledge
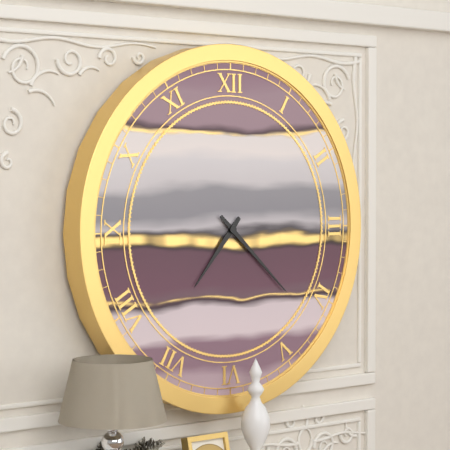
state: 7:22
